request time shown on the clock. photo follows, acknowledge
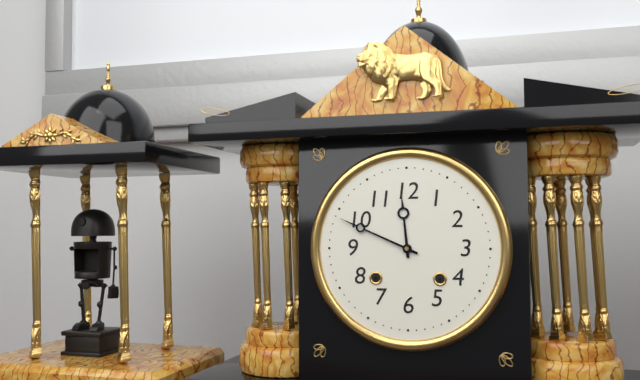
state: 11:49
